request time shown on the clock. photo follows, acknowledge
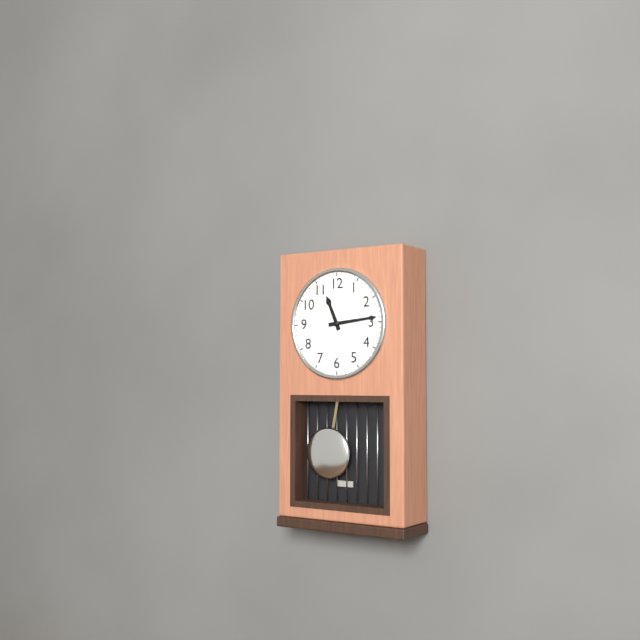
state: 11:14
